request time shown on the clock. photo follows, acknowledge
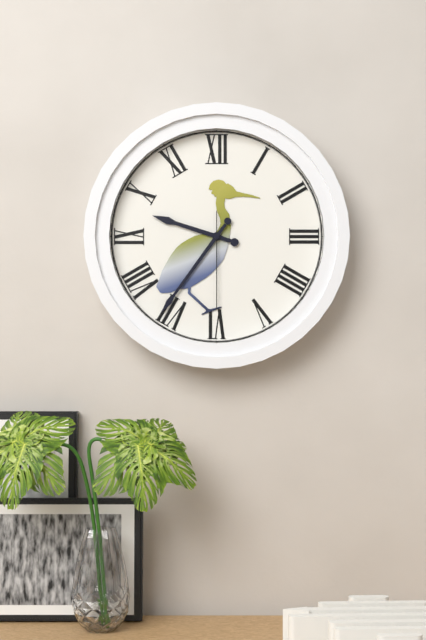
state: 9:36:30
